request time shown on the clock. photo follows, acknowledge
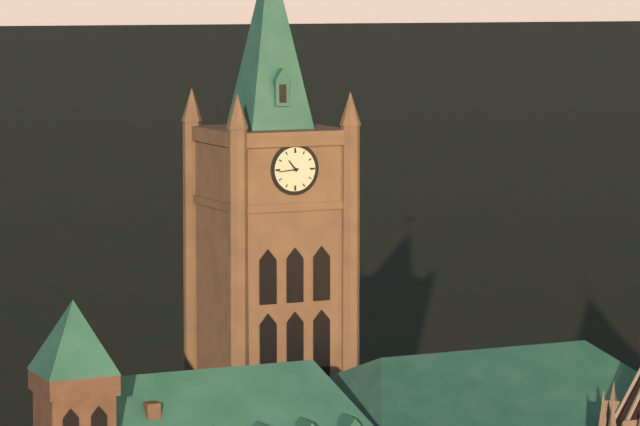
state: 10:44
